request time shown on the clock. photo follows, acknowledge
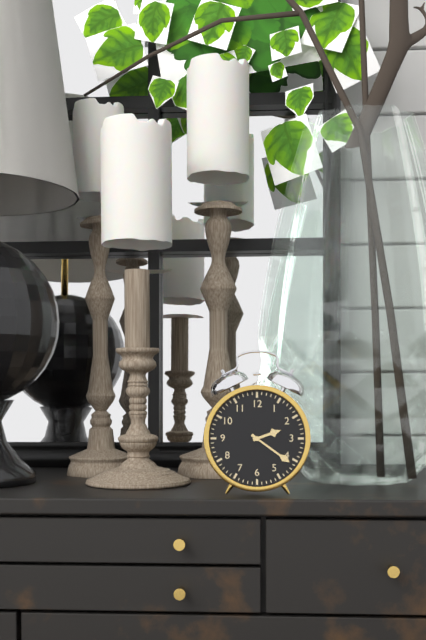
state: 2:21
